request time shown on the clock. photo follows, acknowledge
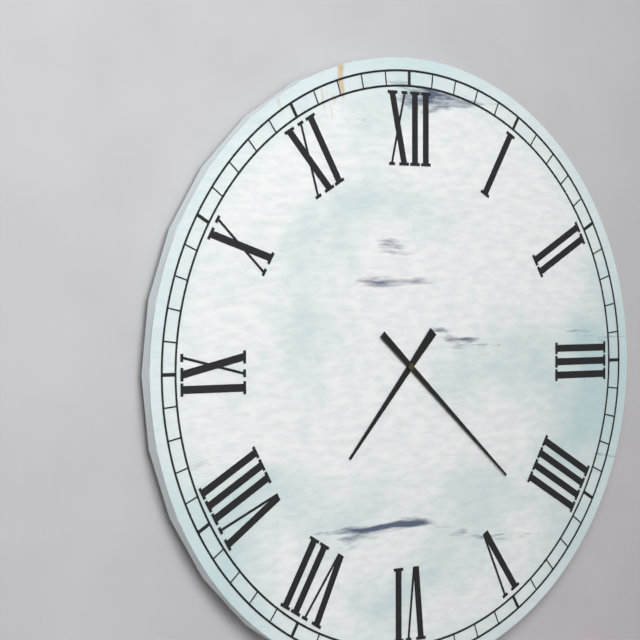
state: 7:22
